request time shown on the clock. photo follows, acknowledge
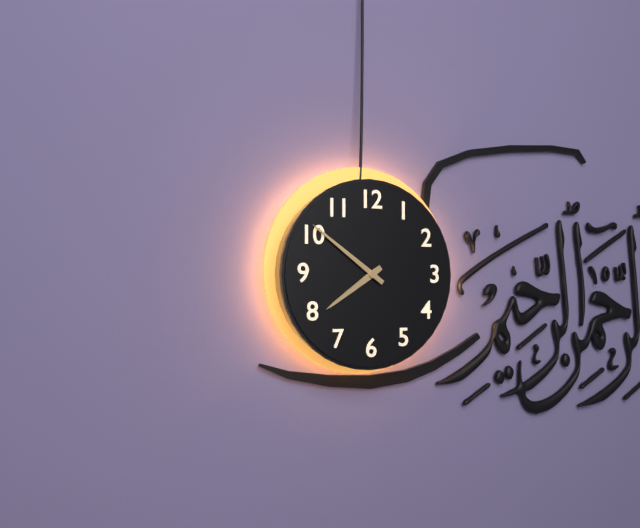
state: 7:51
